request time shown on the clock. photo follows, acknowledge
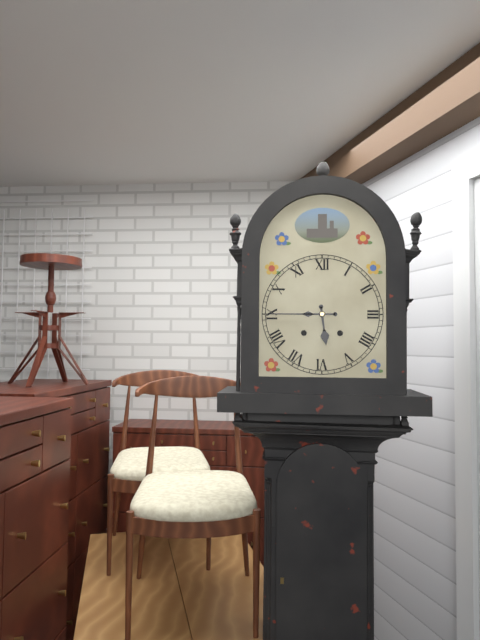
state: 5:45
